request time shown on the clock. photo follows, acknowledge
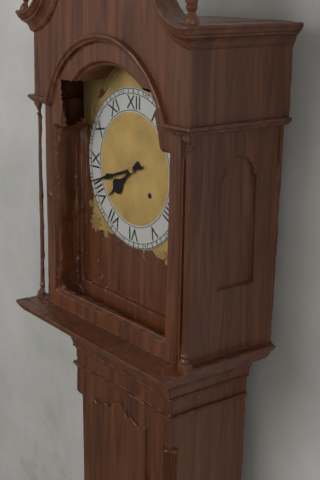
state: 7:42
